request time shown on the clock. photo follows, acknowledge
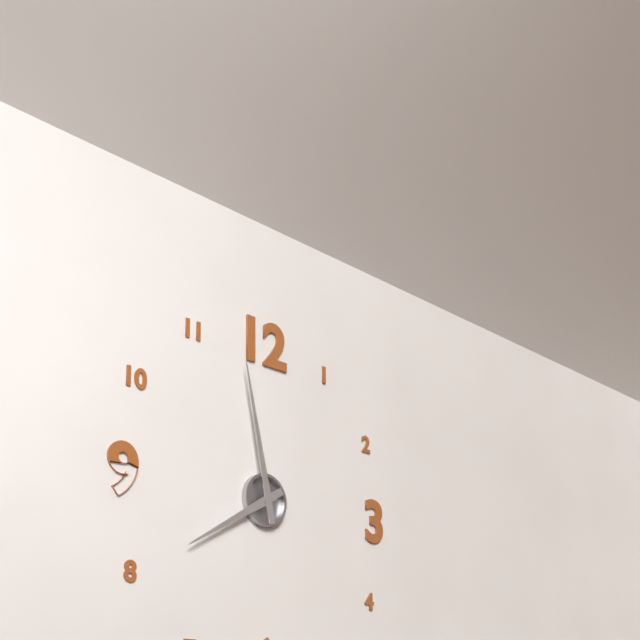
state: 7:58
